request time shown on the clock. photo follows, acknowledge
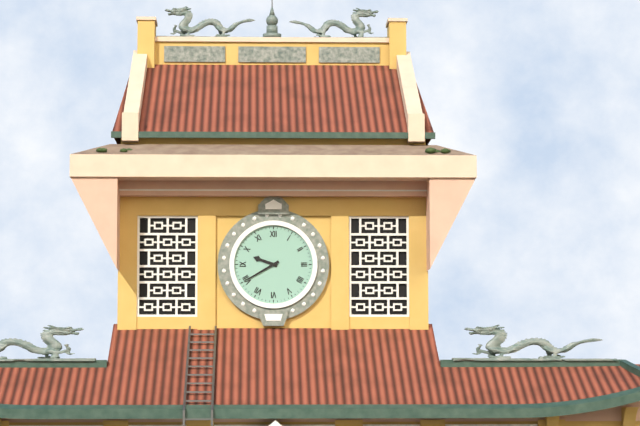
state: 9:40
